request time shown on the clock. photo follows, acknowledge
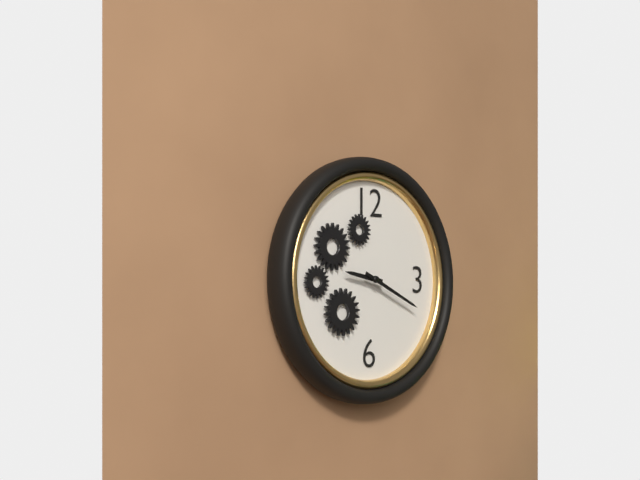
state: 9:19
